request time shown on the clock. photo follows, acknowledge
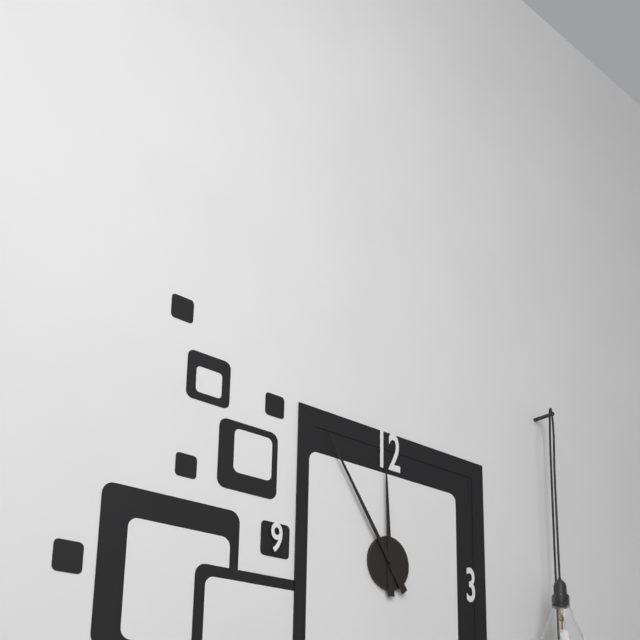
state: 11:54
